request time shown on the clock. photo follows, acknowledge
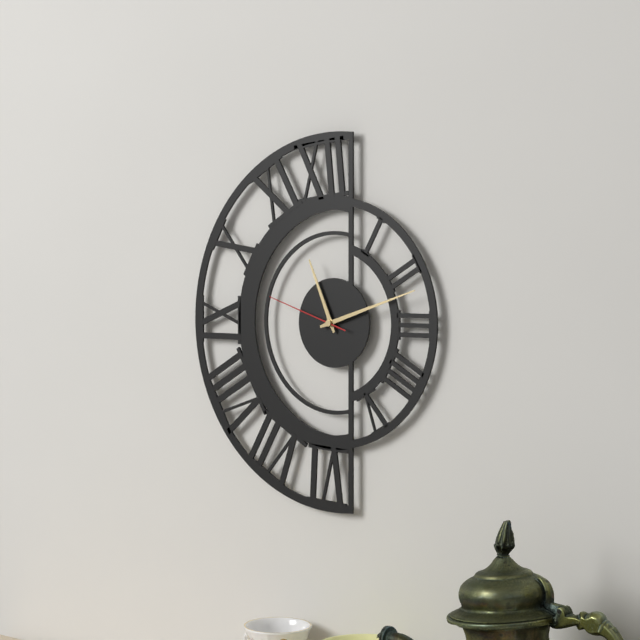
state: 11:12:48
